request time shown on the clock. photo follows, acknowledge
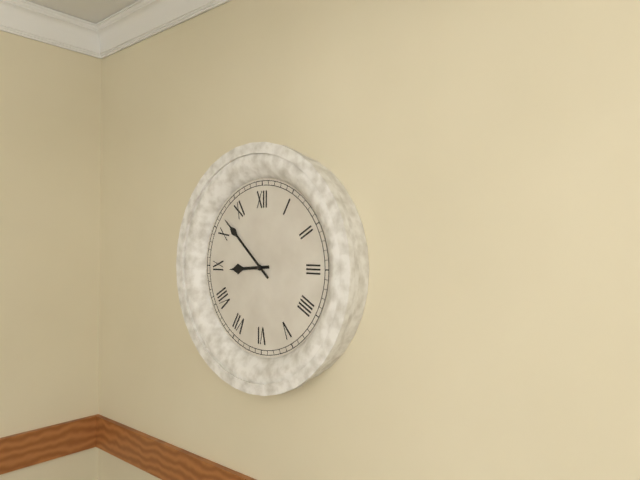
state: 8:52
